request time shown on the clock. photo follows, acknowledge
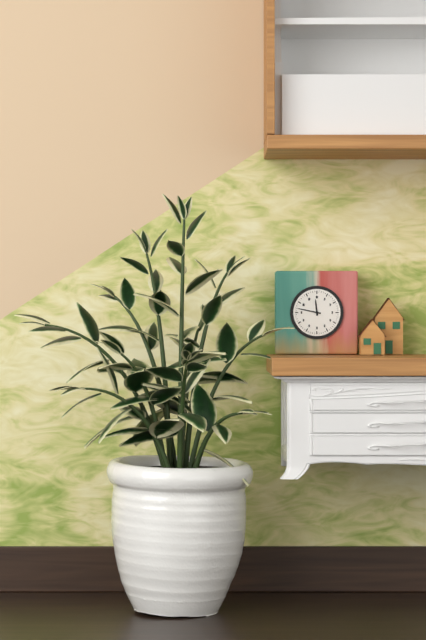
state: 11:47
